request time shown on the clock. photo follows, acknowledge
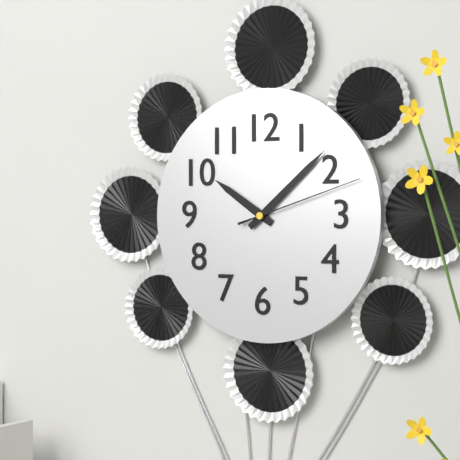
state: 10:08:12
